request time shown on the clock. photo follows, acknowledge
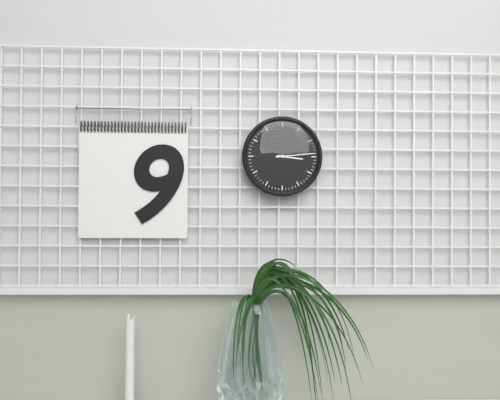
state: 3:14
